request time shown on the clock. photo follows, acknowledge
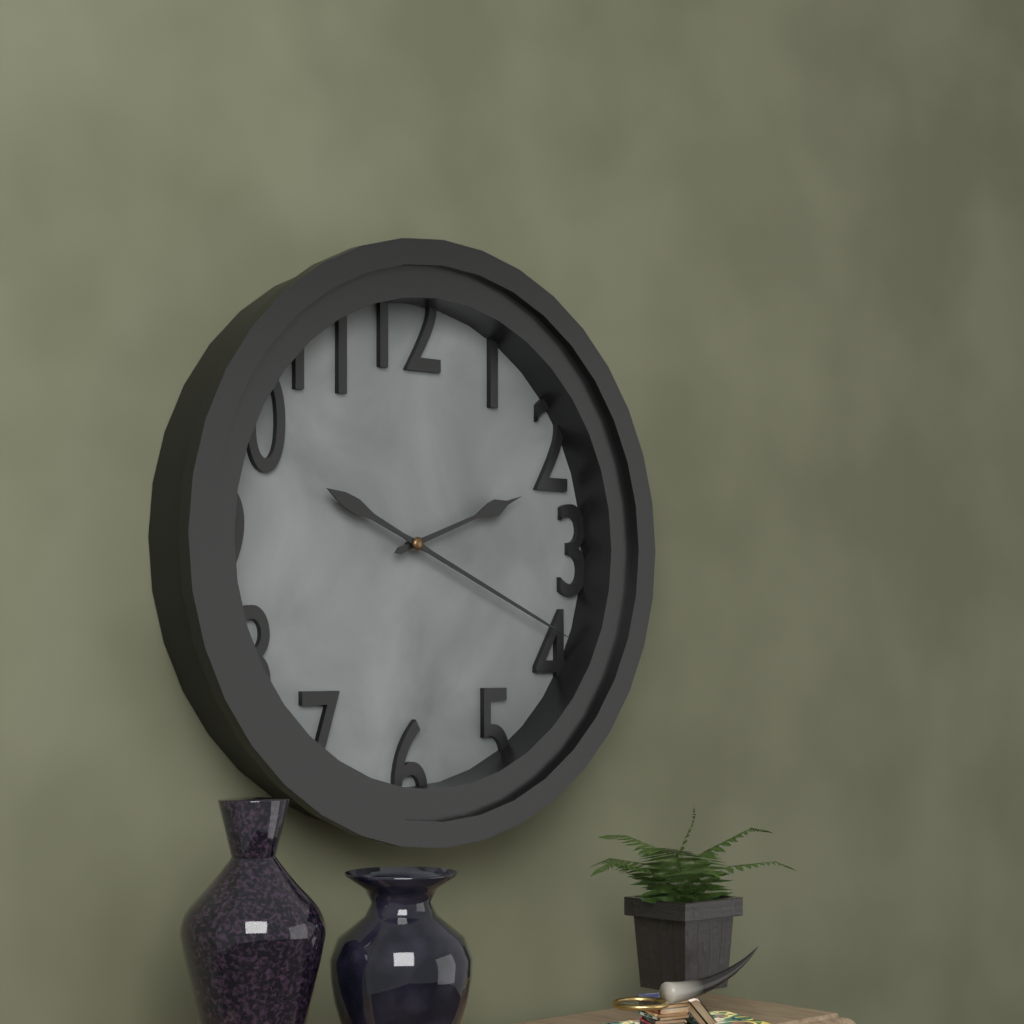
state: 2:19
